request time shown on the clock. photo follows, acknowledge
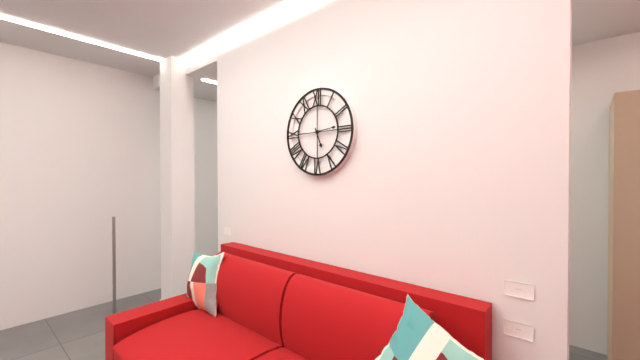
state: 5:14
